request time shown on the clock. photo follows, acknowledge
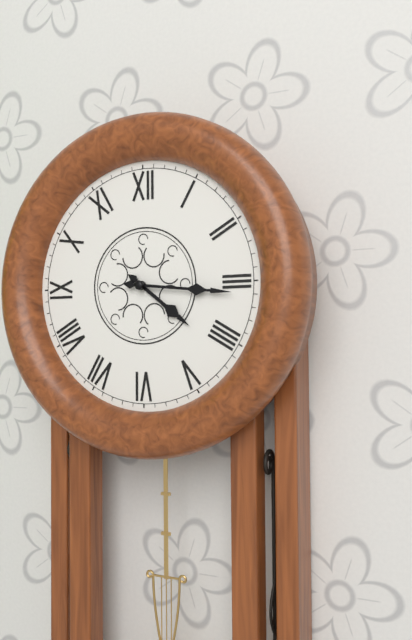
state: 4:16
